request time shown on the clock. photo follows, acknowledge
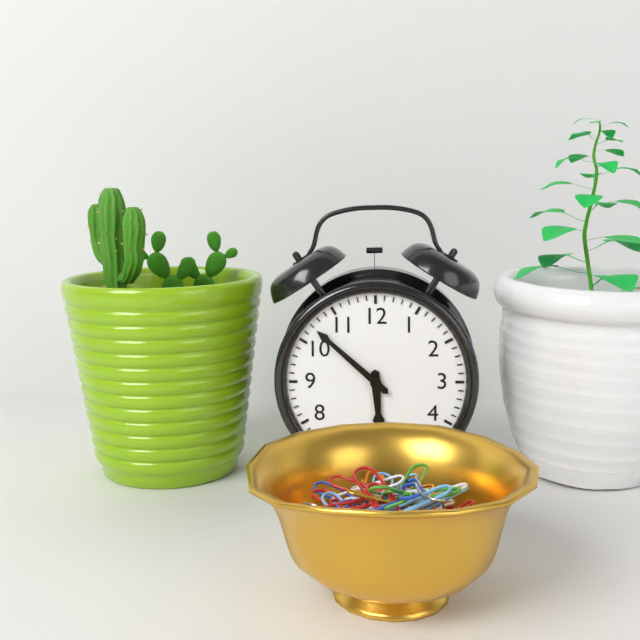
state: 5:52
